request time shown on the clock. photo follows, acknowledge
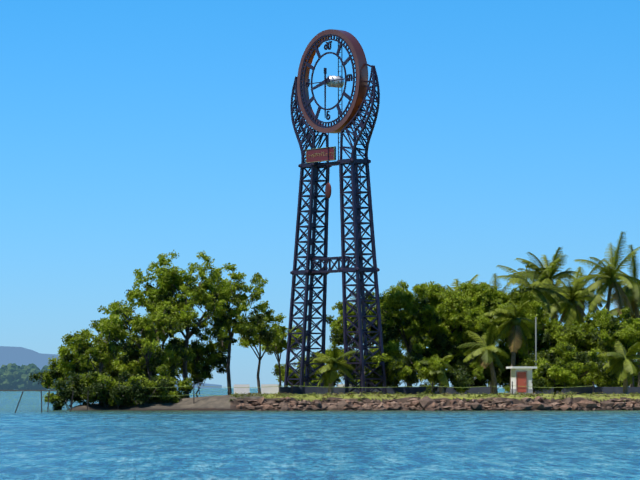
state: 8:30
